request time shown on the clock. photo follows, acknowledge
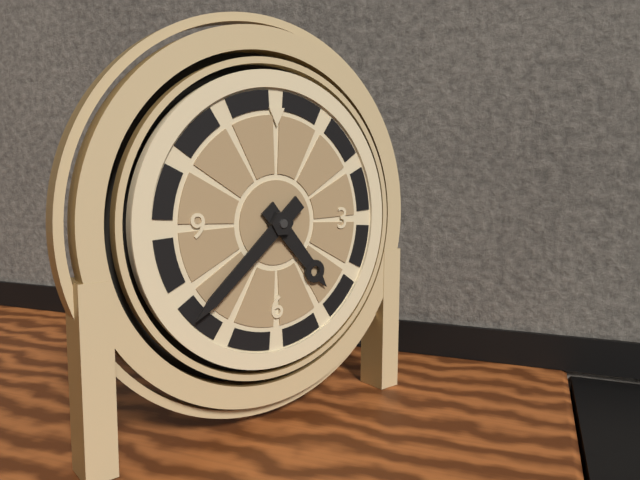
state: 4:38
